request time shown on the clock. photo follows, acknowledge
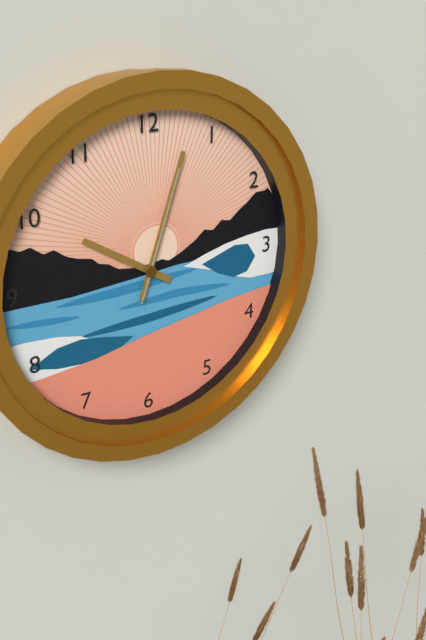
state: 10:03:03
